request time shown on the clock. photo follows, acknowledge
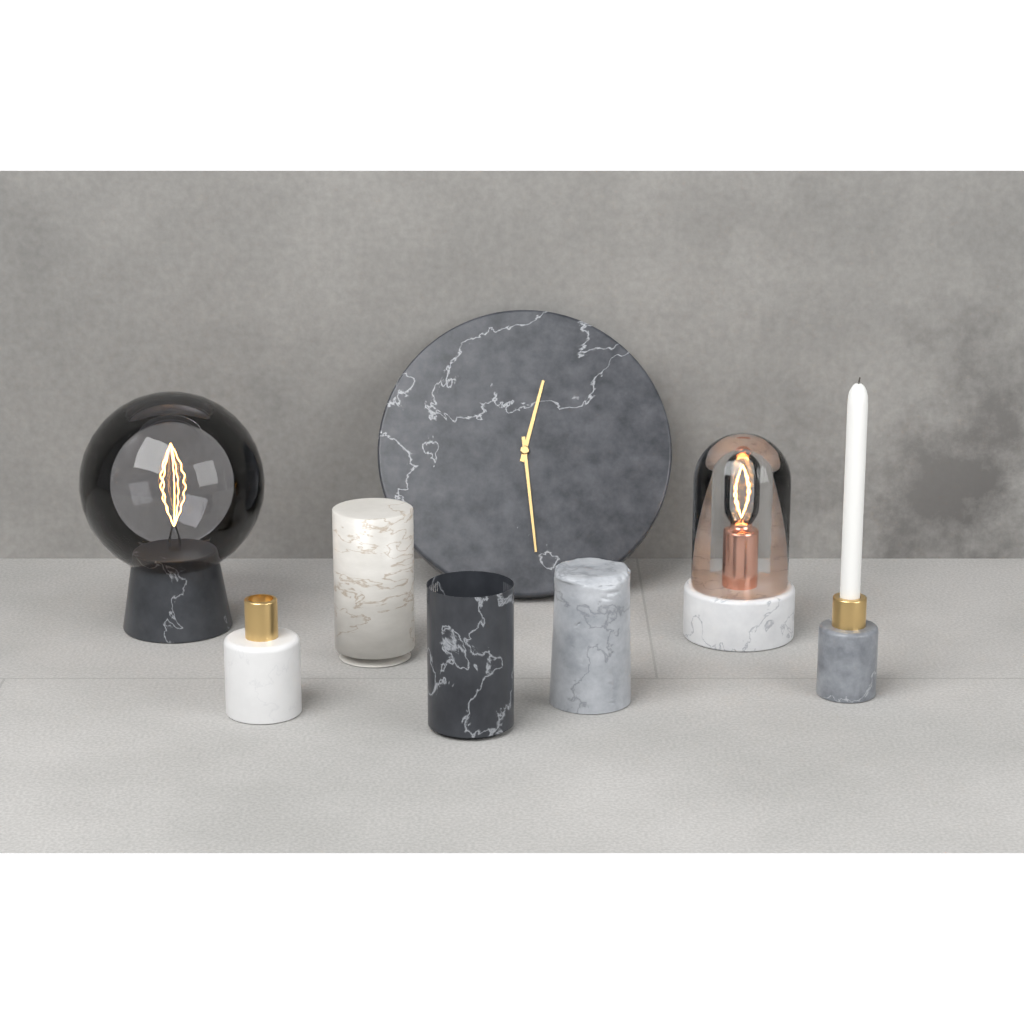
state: 12:29
